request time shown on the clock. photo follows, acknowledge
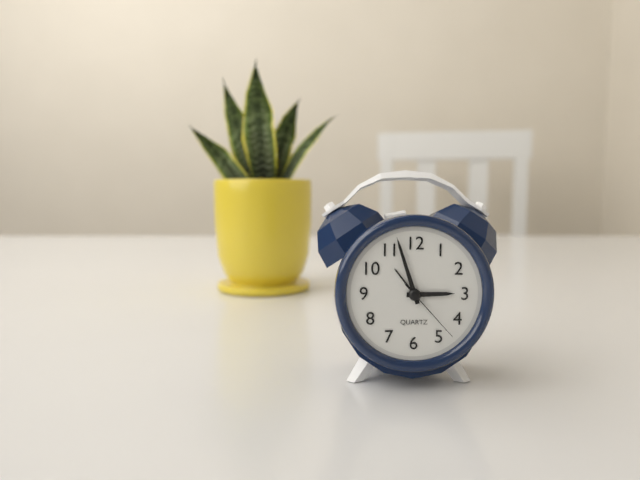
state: 2:57:23
